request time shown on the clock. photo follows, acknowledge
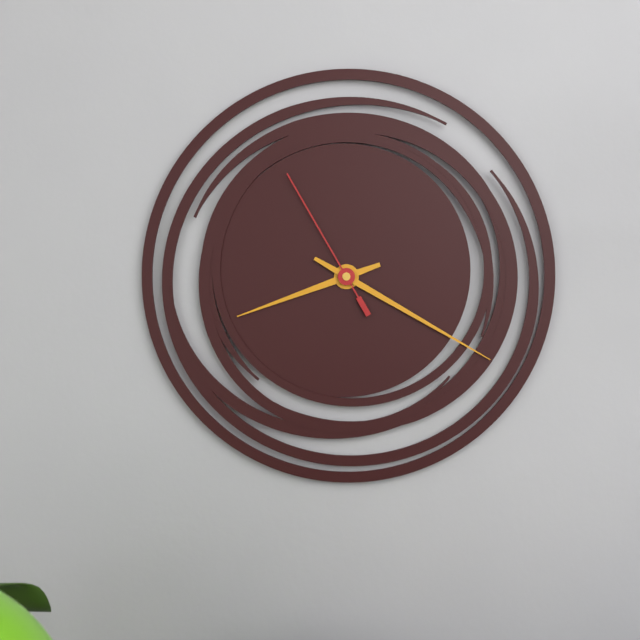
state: 8:20:55
